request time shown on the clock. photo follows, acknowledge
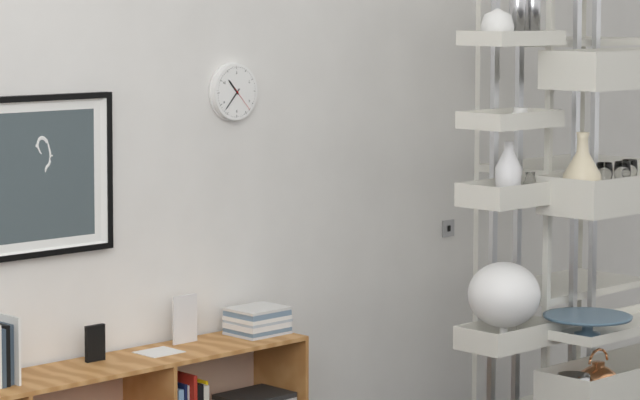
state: 10:37
